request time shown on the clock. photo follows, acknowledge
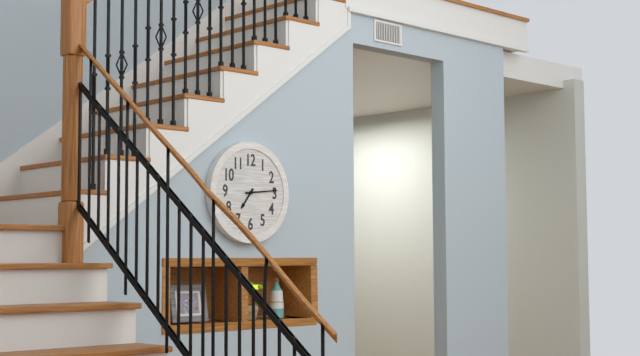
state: 7:14
